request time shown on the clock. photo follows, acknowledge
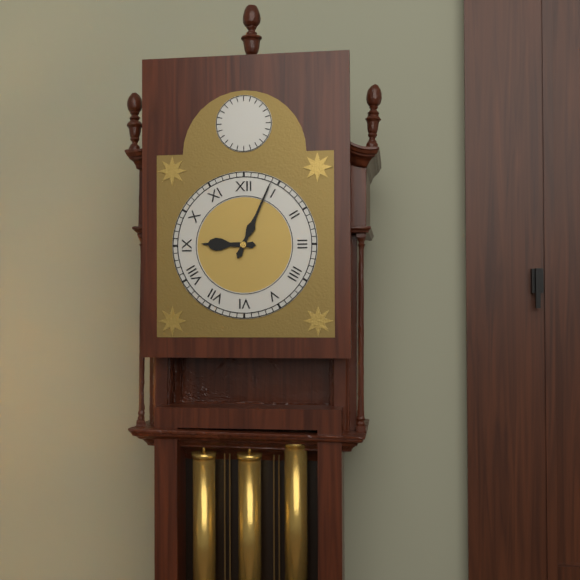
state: 9:04
